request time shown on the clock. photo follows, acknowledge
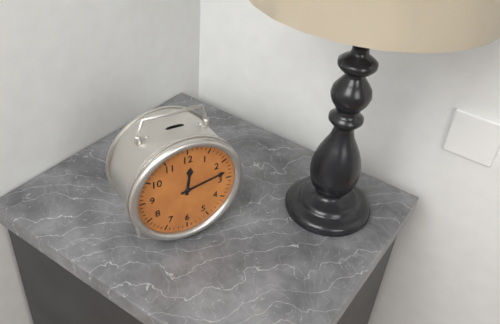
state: 12:13
